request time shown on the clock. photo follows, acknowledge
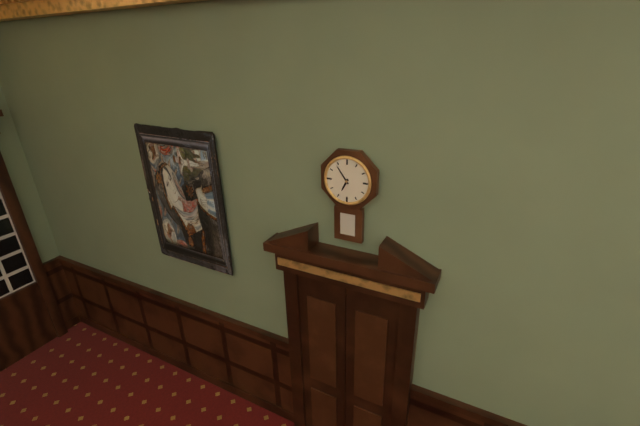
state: 6:54
